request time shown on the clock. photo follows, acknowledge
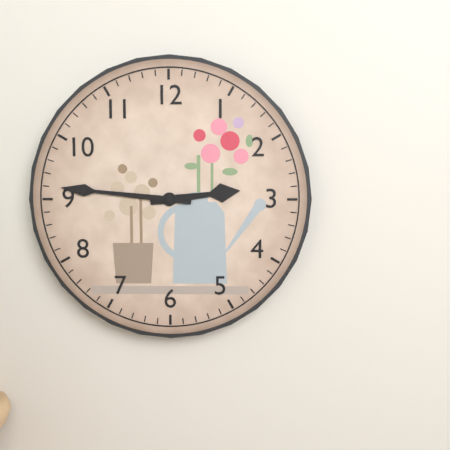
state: 2:46
